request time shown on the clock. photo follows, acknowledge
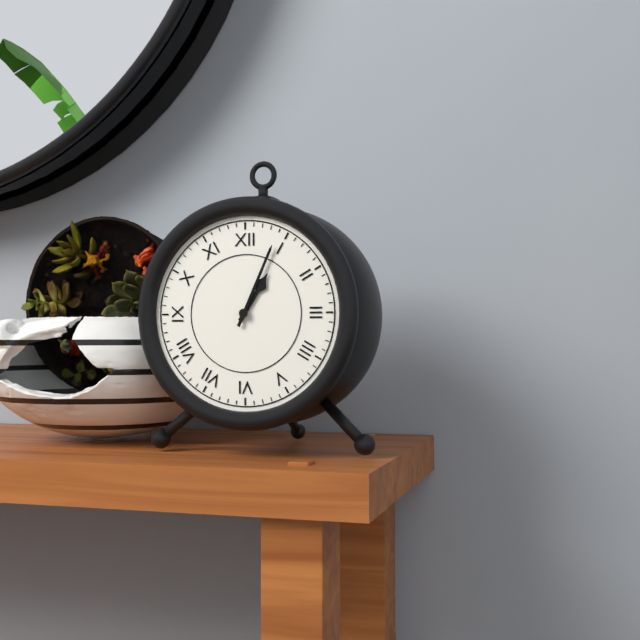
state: 1:04
